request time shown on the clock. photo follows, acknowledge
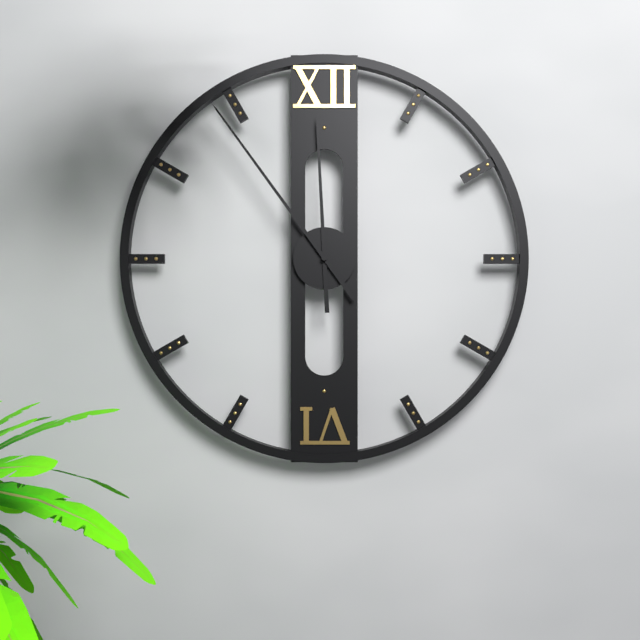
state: 11:54
